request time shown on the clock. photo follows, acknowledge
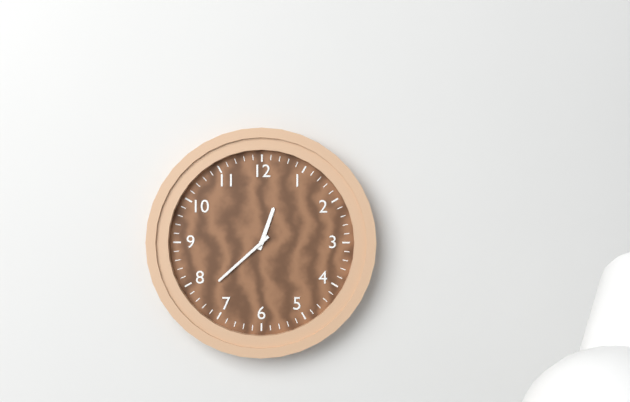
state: 12:38
